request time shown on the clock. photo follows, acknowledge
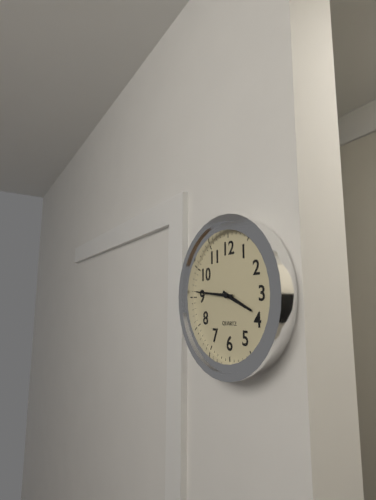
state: 3:46
